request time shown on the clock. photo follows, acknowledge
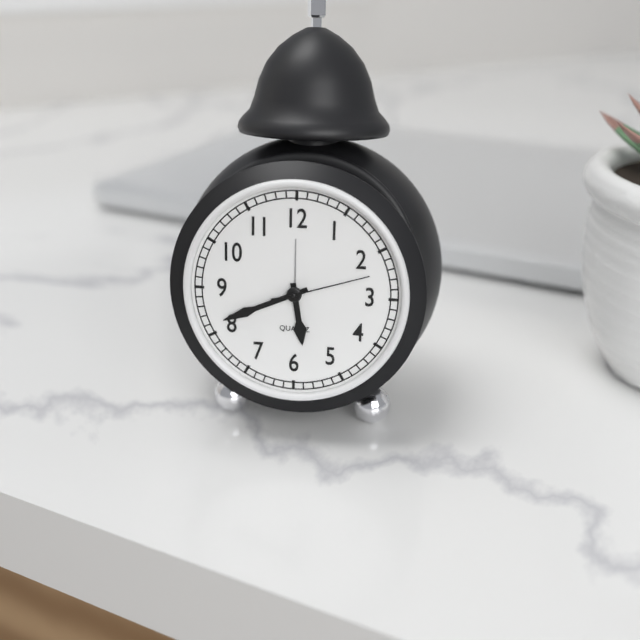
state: 5:41:12
